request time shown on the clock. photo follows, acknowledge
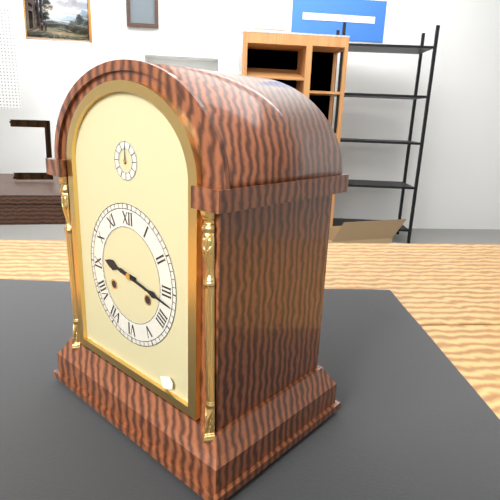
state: 9:17
